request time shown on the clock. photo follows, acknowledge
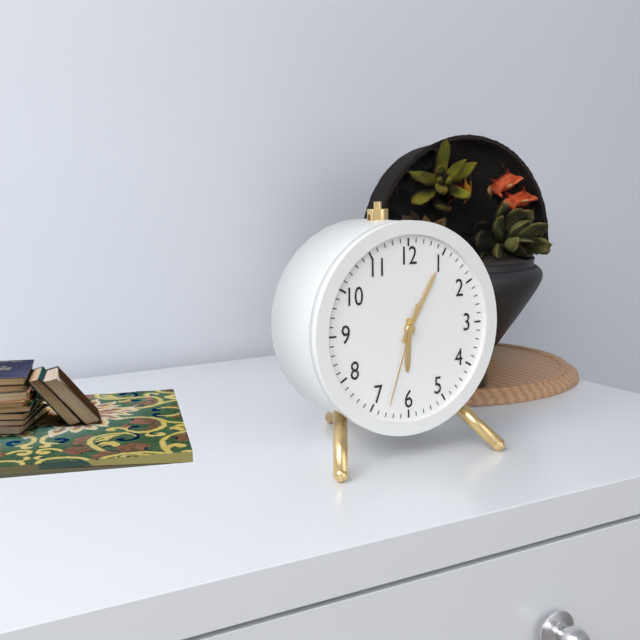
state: 6:05:33
